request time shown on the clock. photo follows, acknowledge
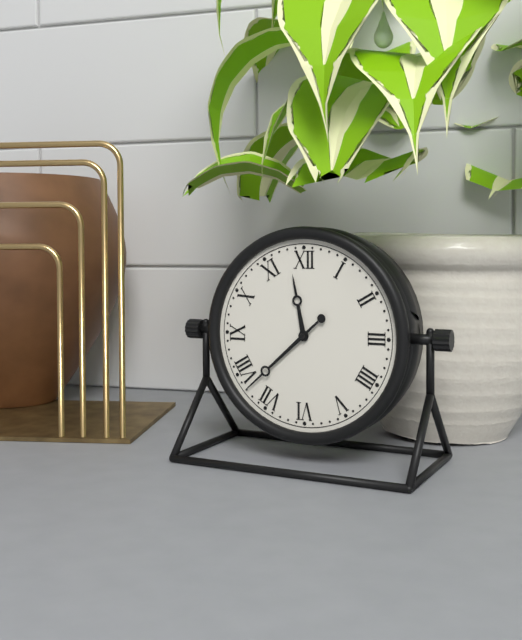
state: 11:38
